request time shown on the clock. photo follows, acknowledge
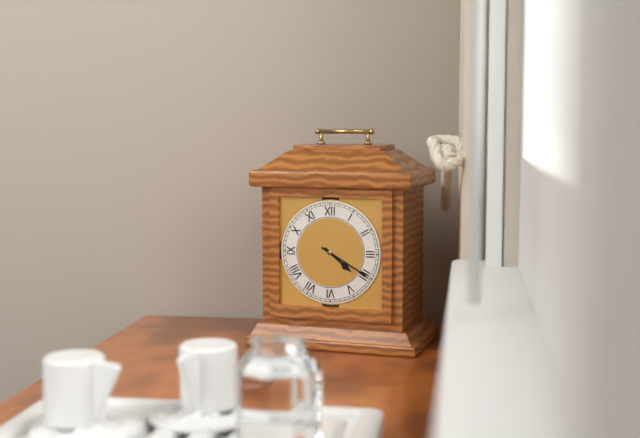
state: 4:20
